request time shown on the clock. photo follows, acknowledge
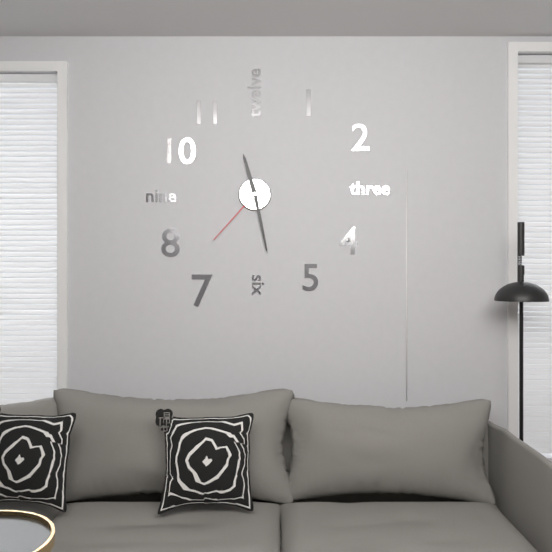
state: 11:28:37
